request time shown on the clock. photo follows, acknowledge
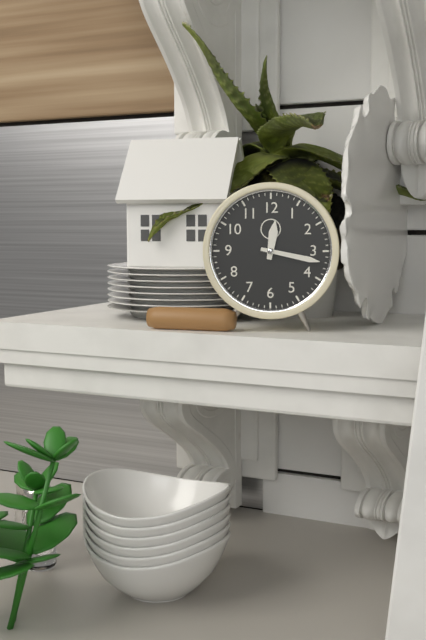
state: 12:17
